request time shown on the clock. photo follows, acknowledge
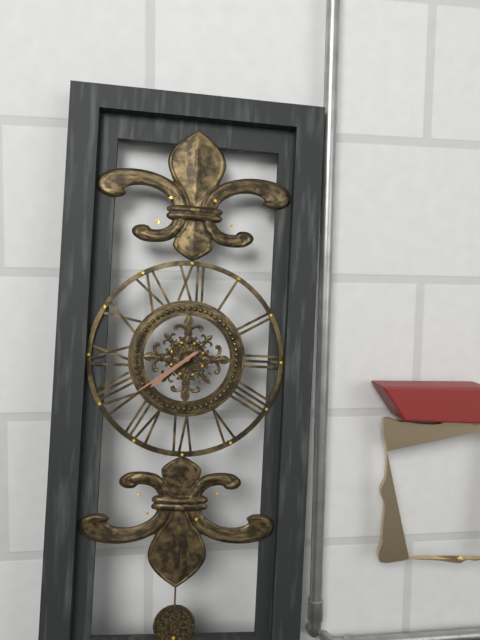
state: 7:39
